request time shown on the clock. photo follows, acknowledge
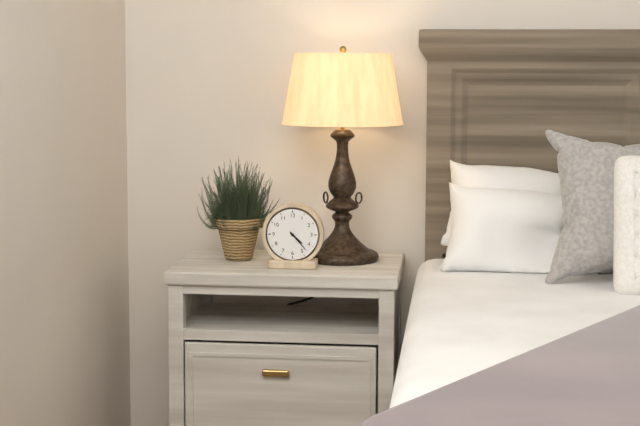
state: 4:23
